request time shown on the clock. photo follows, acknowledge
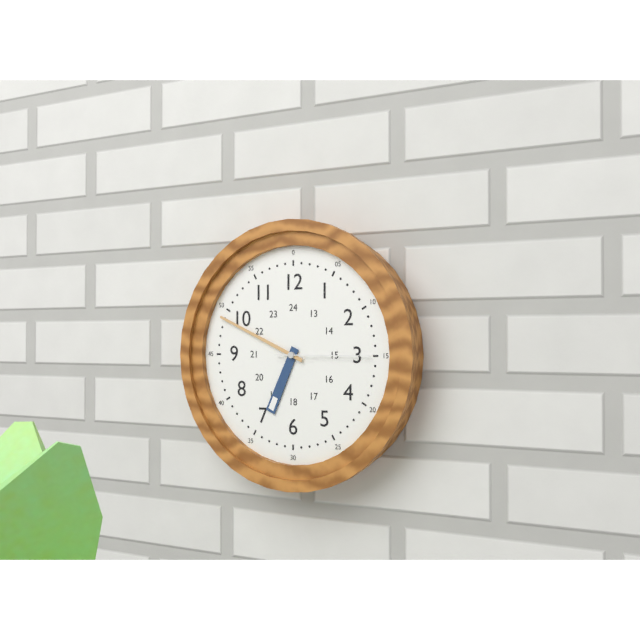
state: 6:49:15
